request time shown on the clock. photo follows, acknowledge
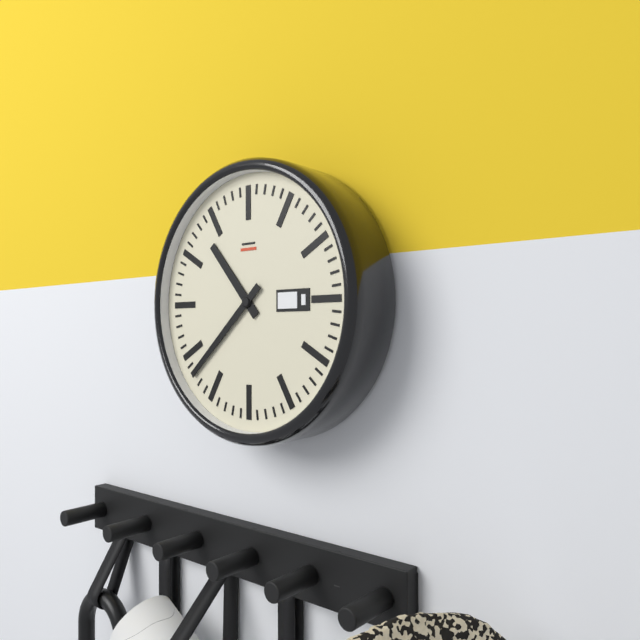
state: 10:38
